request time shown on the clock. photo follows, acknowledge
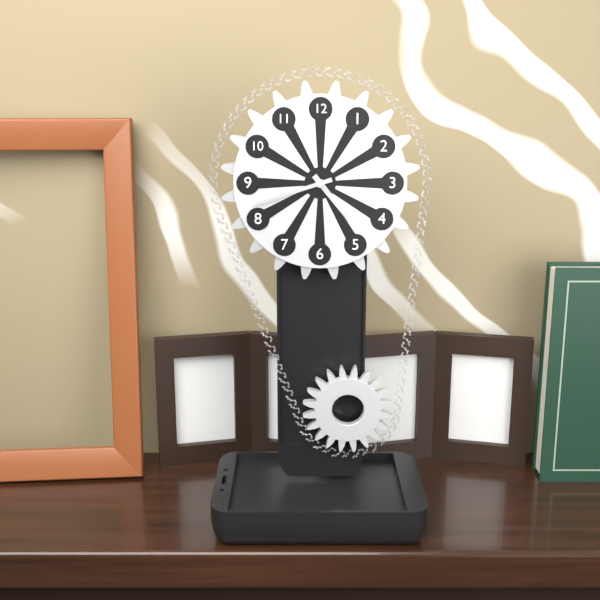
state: 4:42
